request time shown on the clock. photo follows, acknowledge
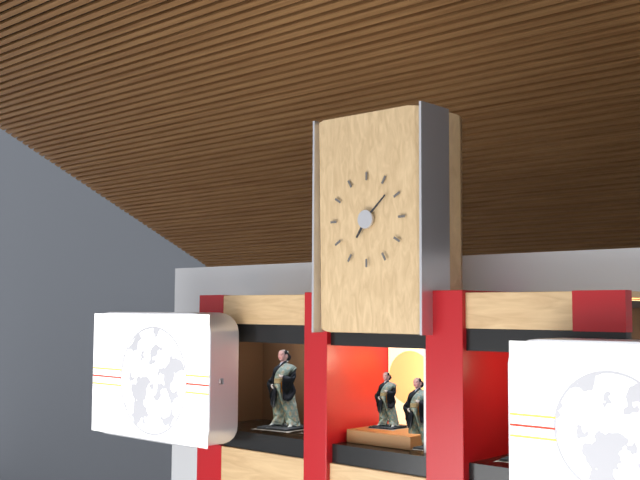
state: 7:08
